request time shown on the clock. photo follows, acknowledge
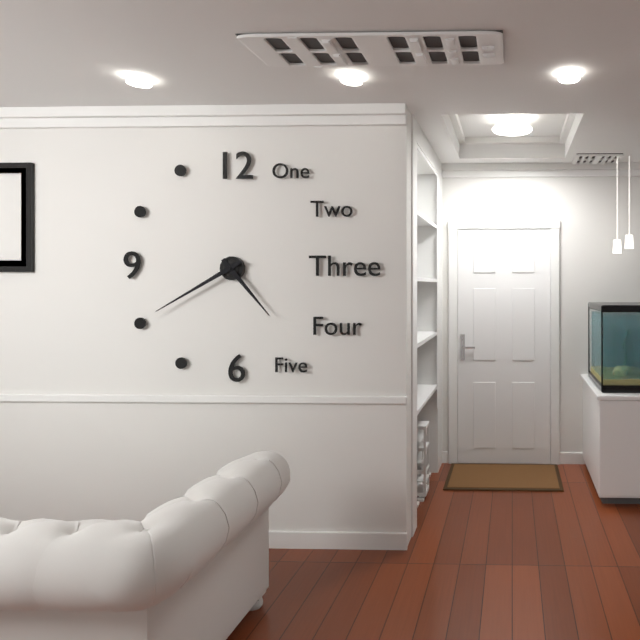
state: 4:40
